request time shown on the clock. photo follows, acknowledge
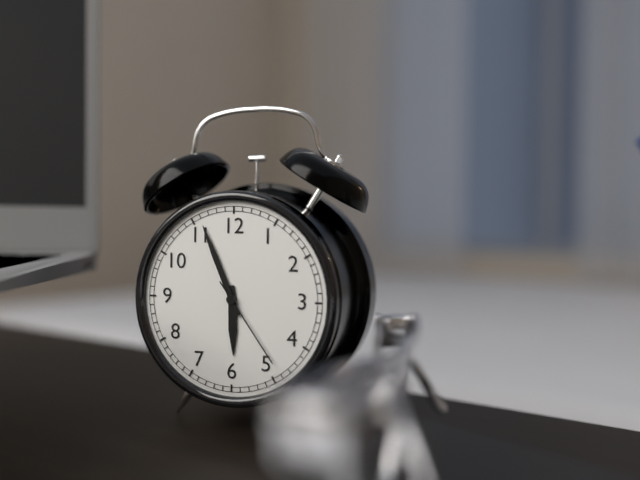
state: 5:56:24
